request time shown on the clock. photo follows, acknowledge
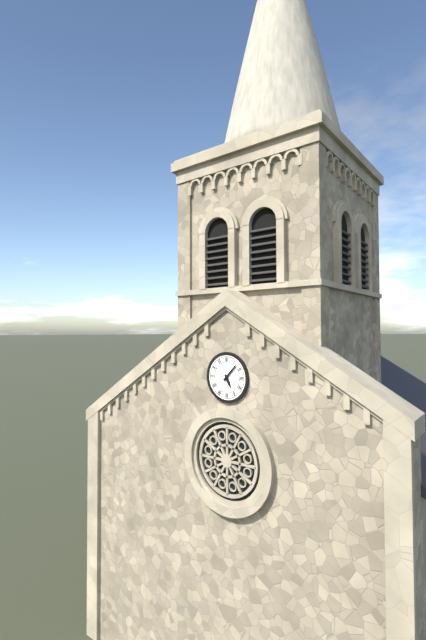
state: 5:07
